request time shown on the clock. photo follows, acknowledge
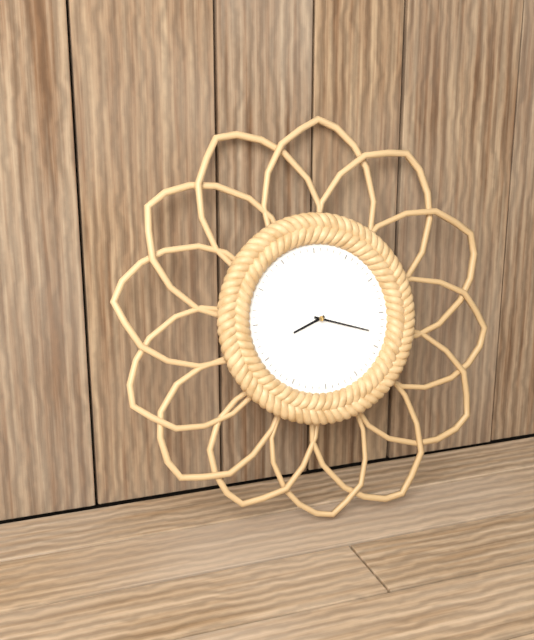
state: 8:18
